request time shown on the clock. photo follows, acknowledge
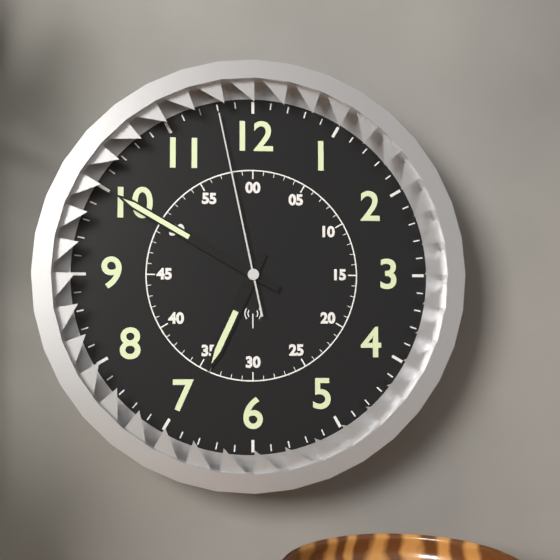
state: 6:50:58
